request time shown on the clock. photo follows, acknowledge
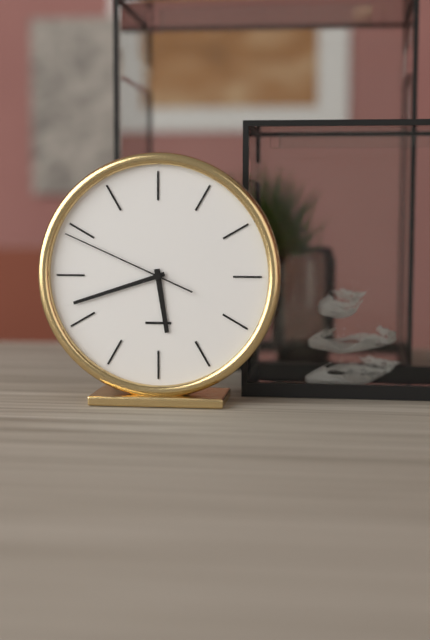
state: 5:42:49
